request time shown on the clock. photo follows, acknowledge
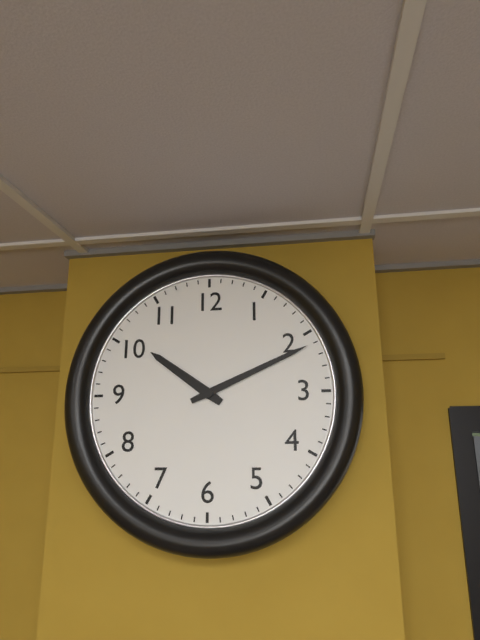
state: 10:11
